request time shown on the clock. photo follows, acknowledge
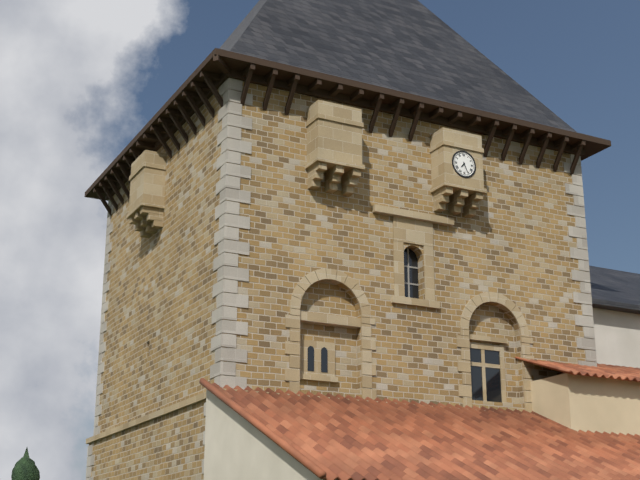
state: 7:26
